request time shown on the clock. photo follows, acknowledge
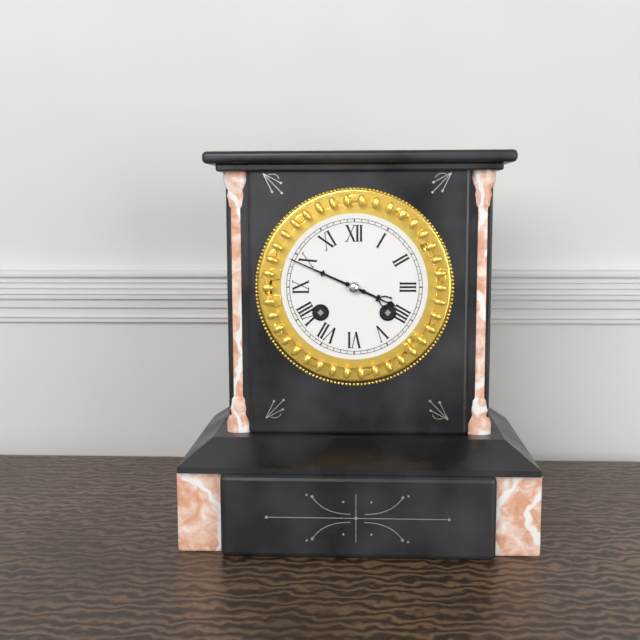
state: 3:49
